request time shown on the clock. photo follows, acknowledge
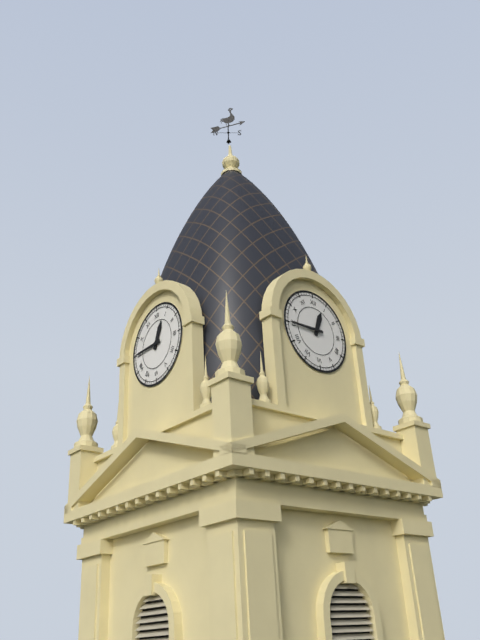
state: 12:45
